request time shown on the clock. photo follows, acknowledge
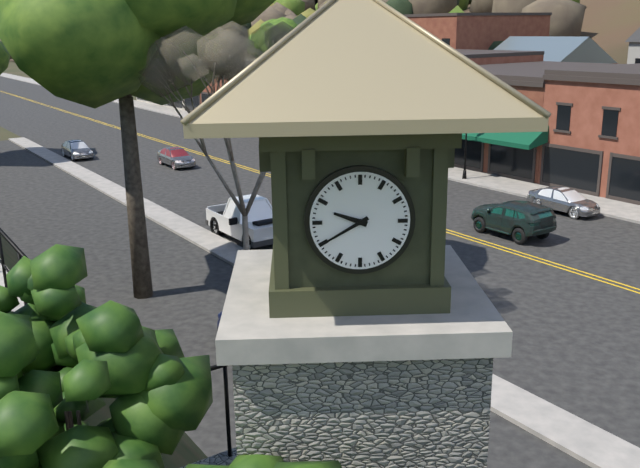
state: 9:40
